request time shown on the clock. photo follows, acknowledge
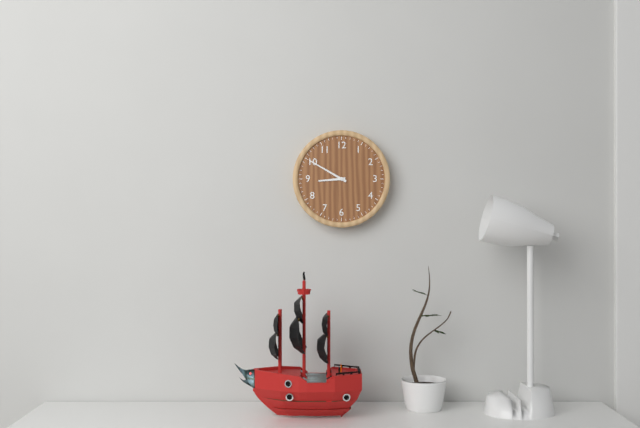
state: 8:50
